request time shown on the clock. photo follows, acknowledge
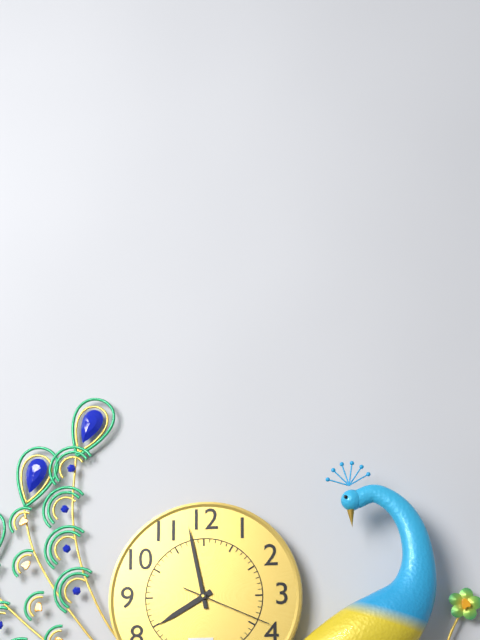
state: 7:58:19
